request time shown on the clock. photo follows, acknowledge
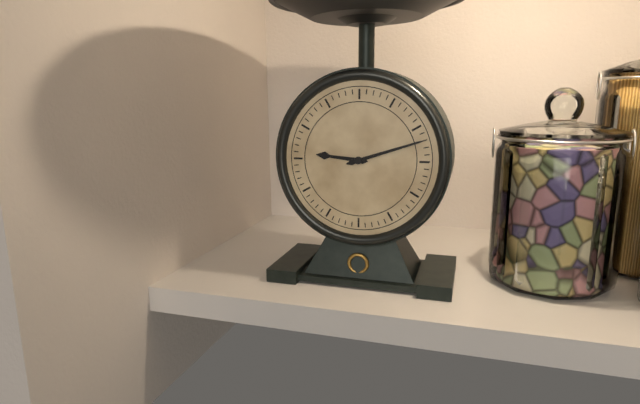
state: 9:12
